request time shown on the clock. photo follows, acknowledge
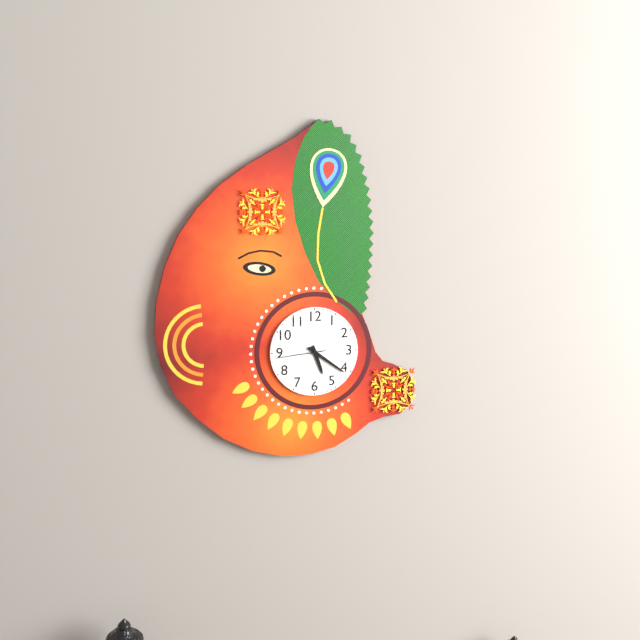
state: 5:21:44
